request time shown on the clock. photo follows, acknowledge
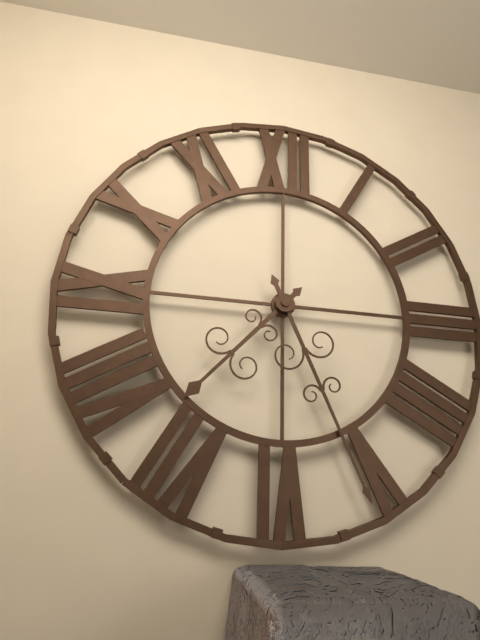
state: 7:26
